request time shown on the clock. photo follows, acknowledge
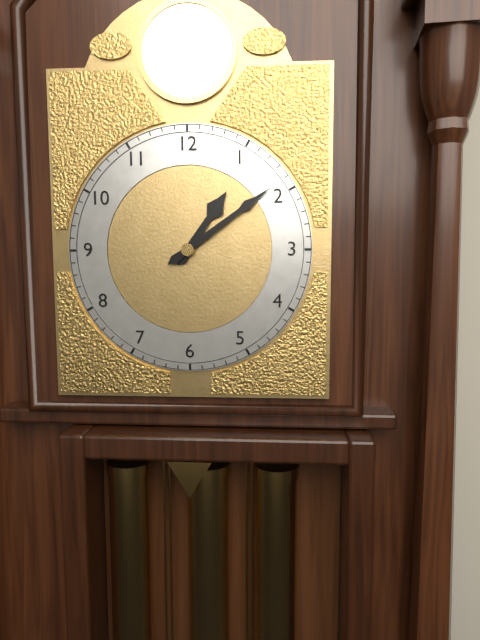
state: 1:09
